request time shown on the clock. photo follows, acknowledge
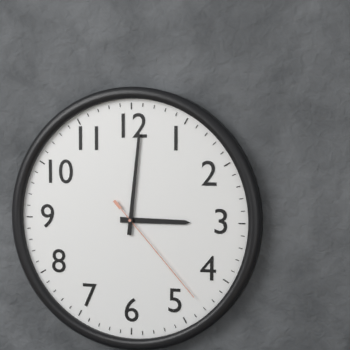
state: 3:01:23
